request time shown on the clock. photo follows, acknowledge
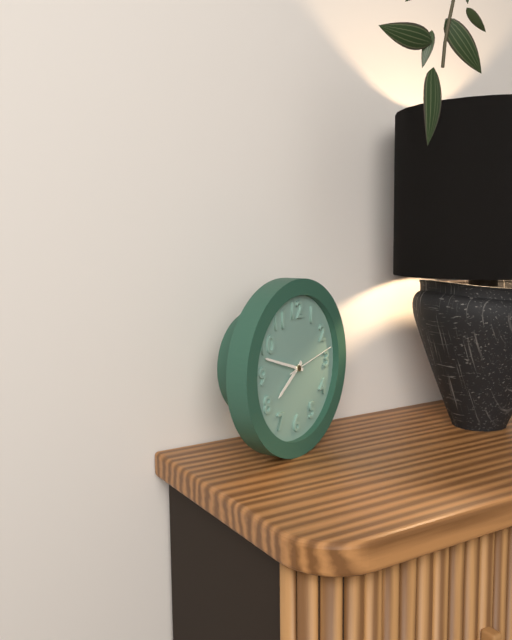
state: 7:48
